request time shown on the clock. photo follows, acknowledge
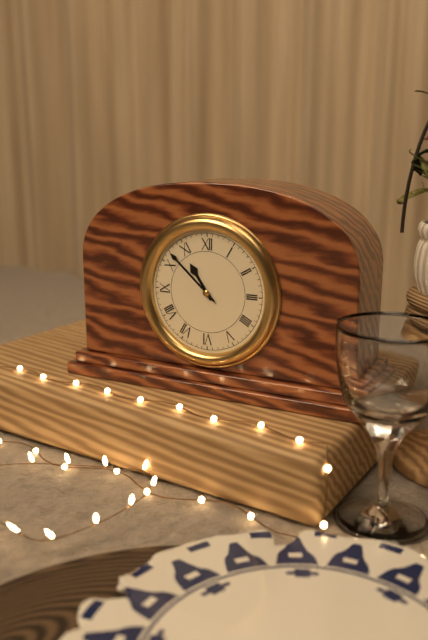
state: 10:52
